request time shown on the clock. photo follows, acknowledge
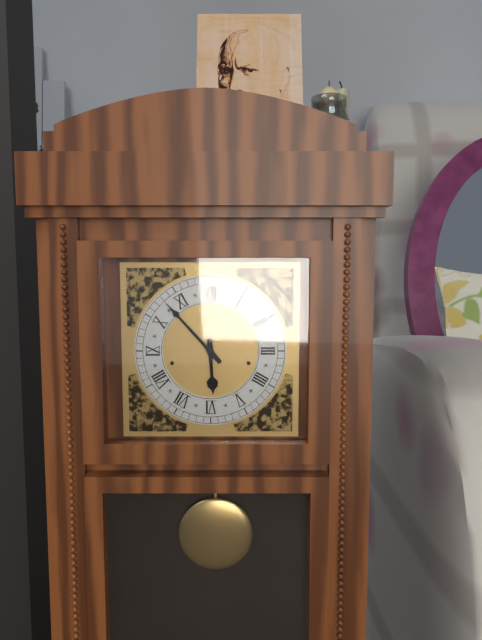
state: 5:53
